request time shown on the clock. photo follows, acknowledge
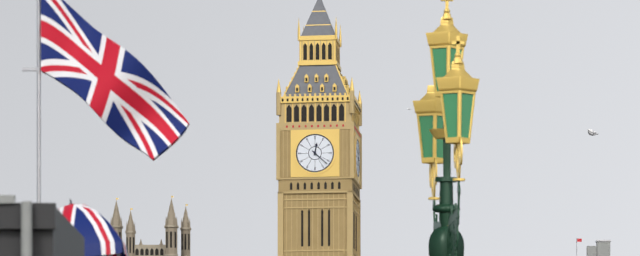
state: 12:22
